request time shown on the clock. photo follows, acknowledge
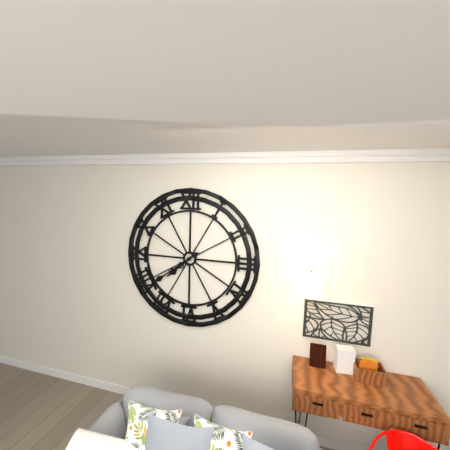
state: 7:39
